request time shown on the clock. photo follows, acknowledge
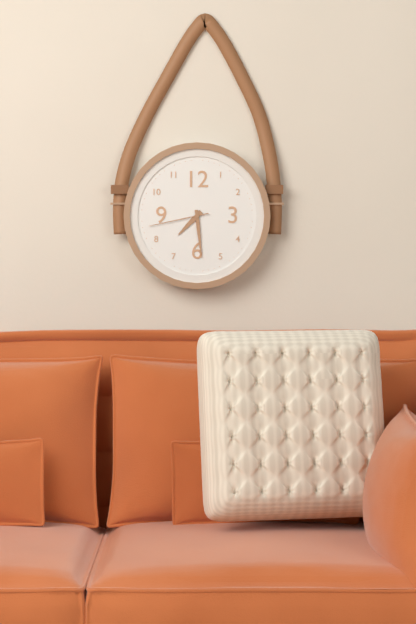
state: 7:29:43
